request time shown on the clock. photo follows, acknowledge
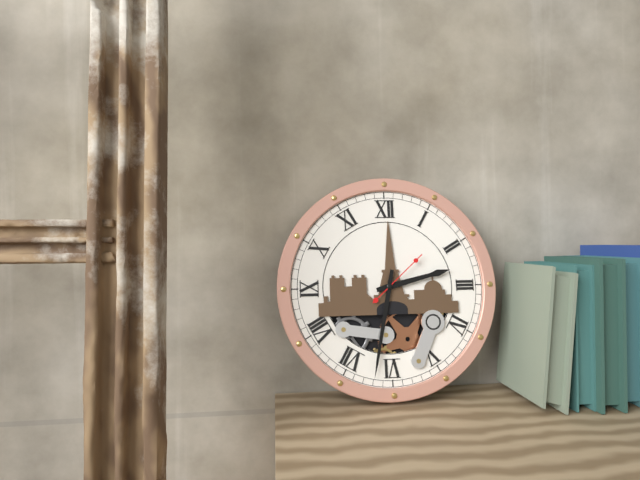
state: 2:32:08
